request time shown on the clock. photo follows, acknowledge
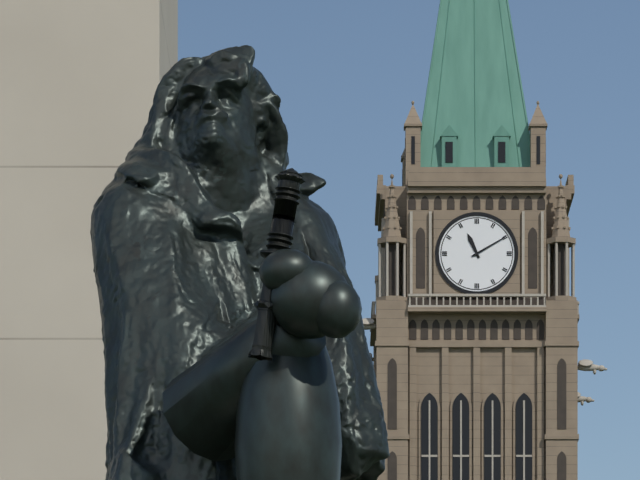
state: 11:10
